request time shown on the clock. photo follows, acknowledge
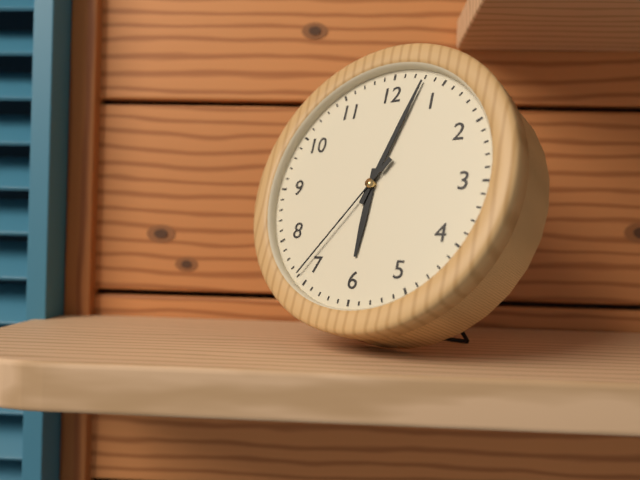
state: 6:03:36
